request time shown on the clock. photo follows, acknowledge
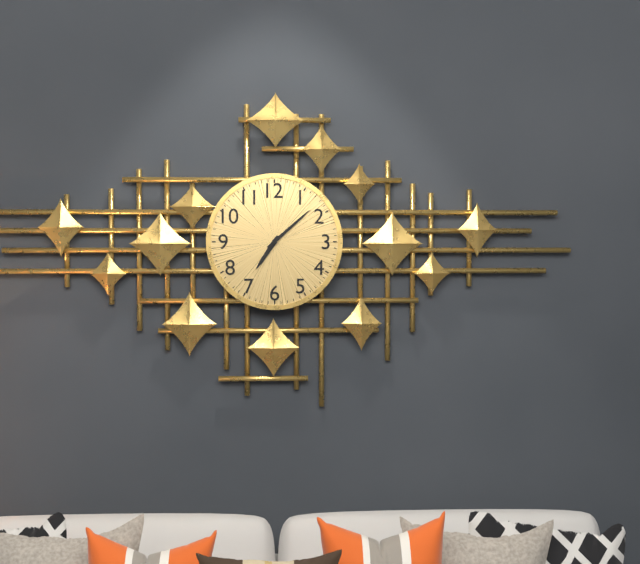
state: 7:08
